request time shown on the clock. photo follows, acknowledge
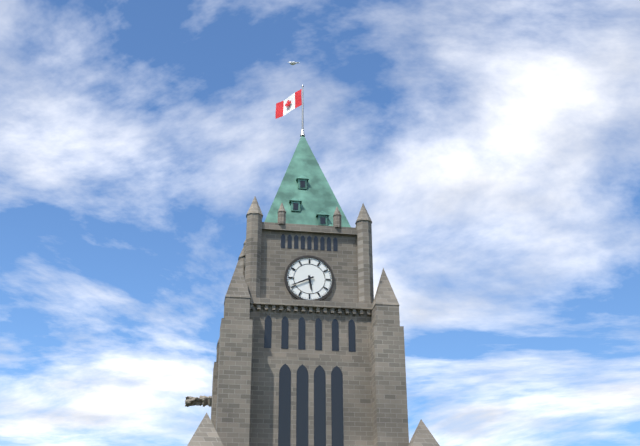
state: 5:41
